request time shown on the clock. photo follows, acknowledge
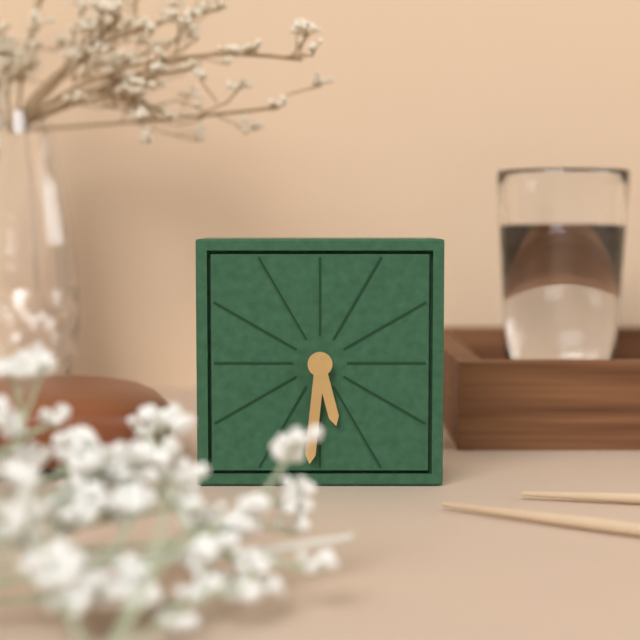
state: 5:31
